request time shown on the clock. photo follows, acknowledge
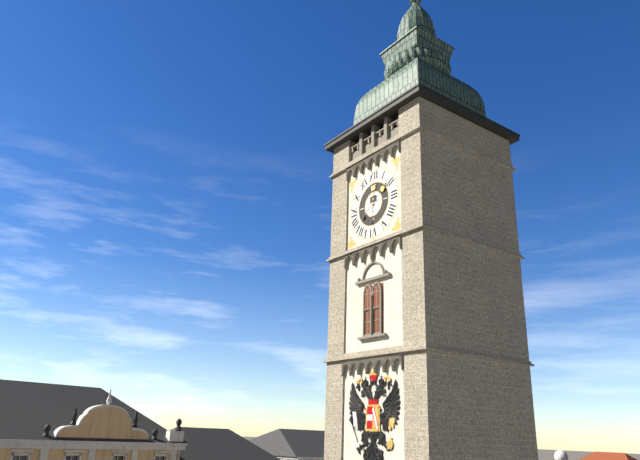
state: 12:09
